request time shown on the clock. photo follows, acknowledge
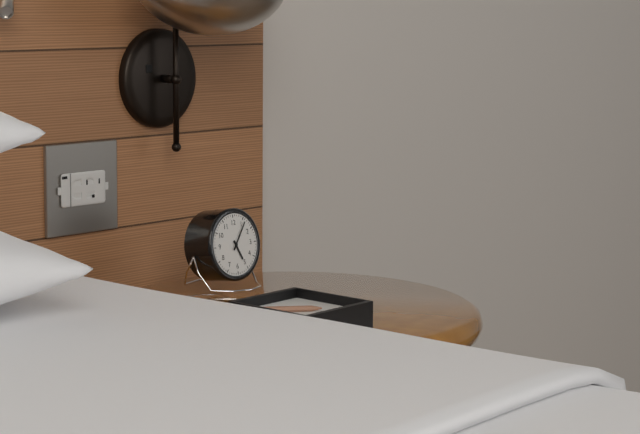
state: 5:06
